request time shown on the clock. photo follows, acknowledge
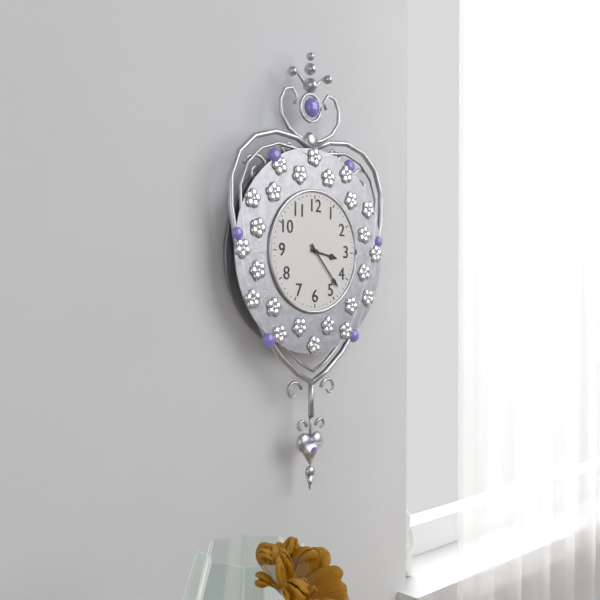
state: 3:23
